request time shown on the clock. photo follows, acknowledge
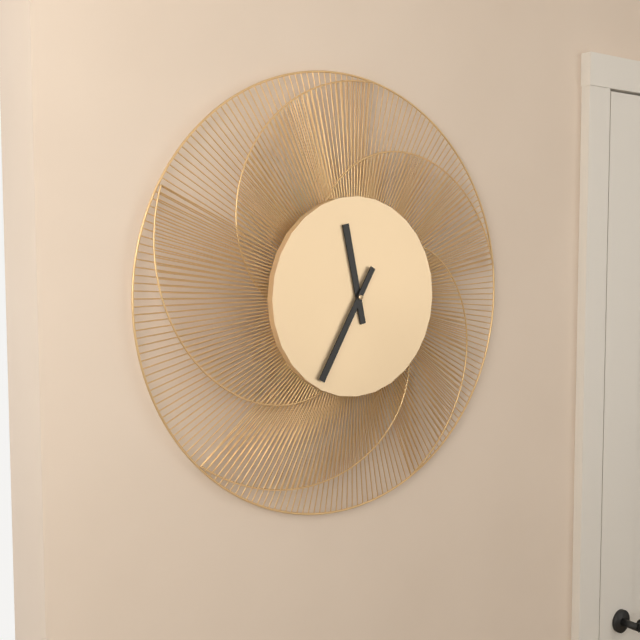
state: 11:35
